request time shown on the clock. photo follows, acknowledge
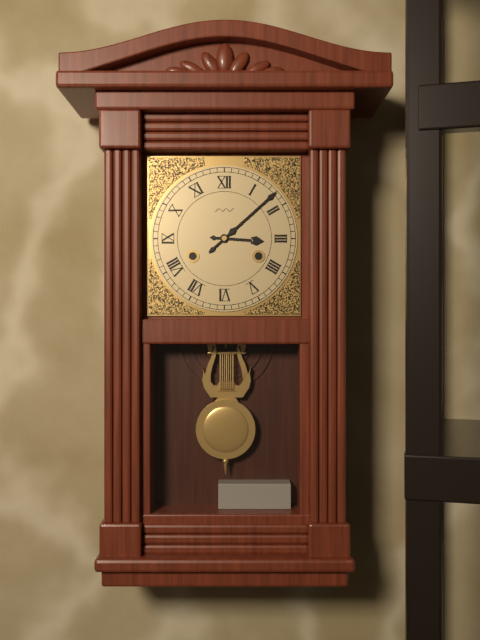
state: 3:08
